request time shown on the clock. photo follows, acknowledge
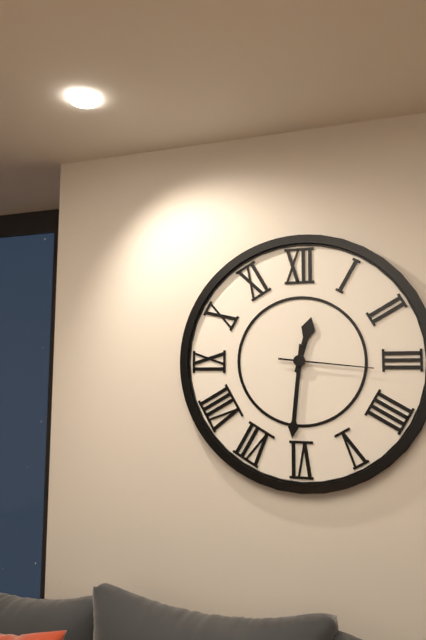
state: 12:31:16
